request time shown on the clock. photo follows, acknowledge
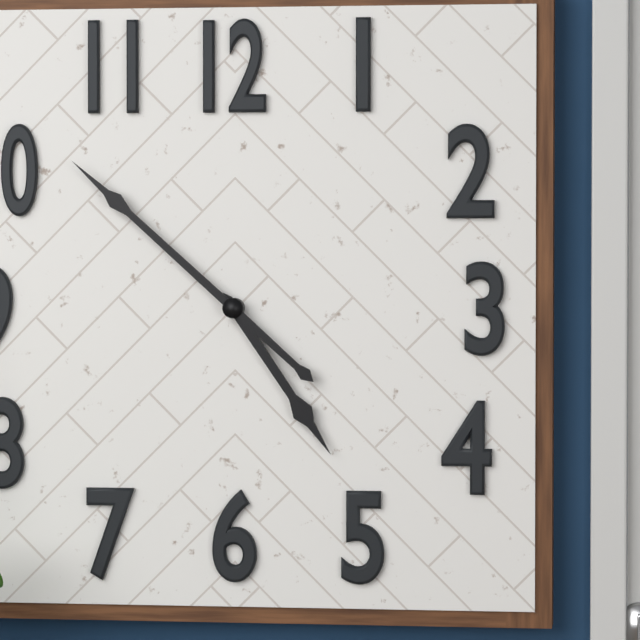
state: 4:52
